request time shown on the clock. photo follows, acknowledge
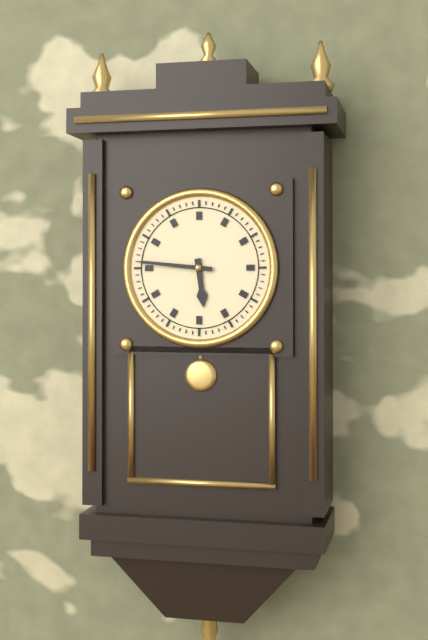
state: 5:46
